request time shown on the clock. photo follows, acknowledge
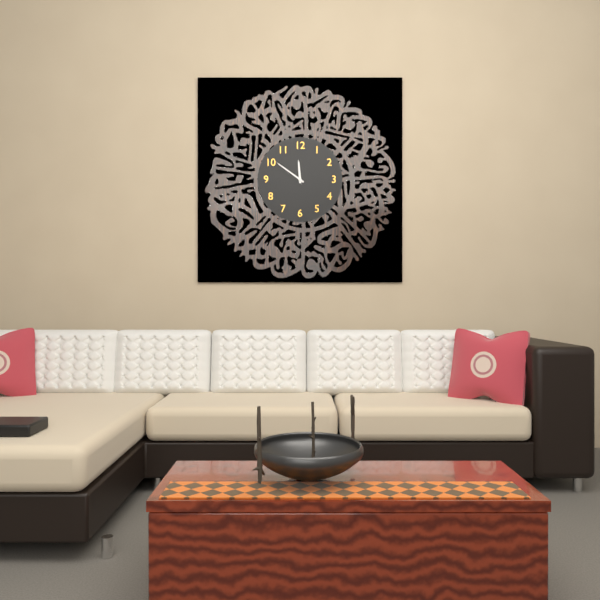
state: 11:51
